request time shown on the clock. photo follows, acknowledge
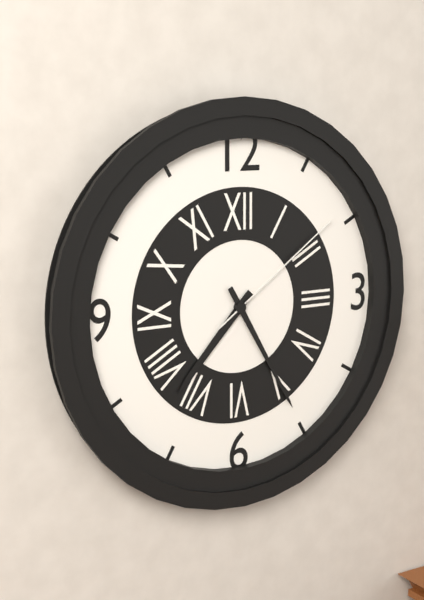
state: 7:25:09
